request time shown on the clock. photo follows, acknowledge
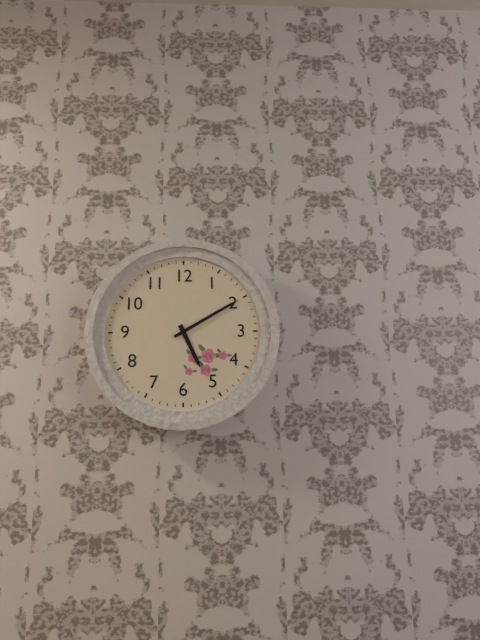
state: 5:10
